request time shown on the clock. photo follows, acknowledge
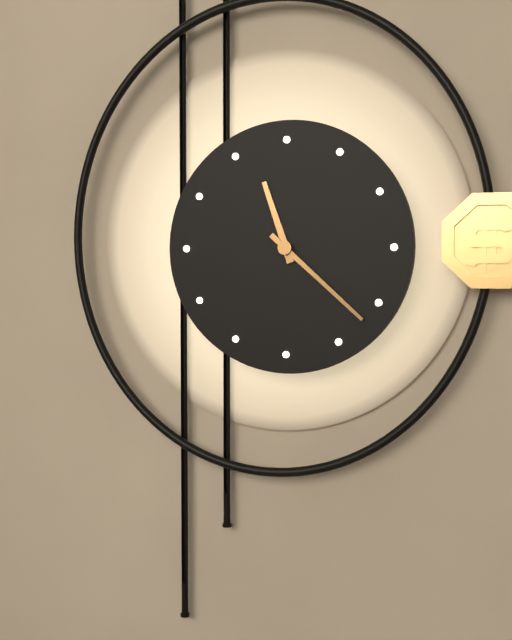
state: 11:22
